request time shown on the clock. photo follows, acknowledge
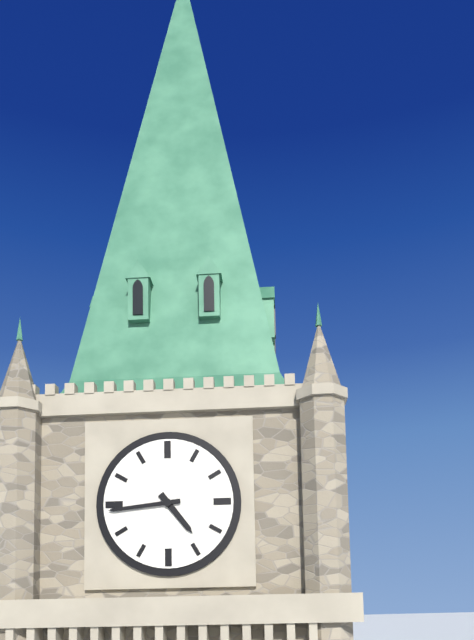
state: 4:44
